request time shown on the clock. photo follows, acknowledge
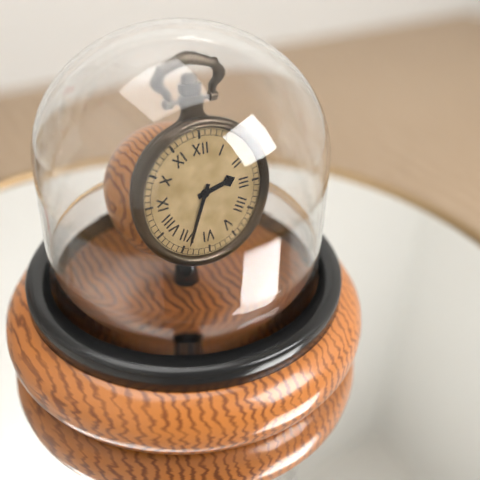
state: 2:34
